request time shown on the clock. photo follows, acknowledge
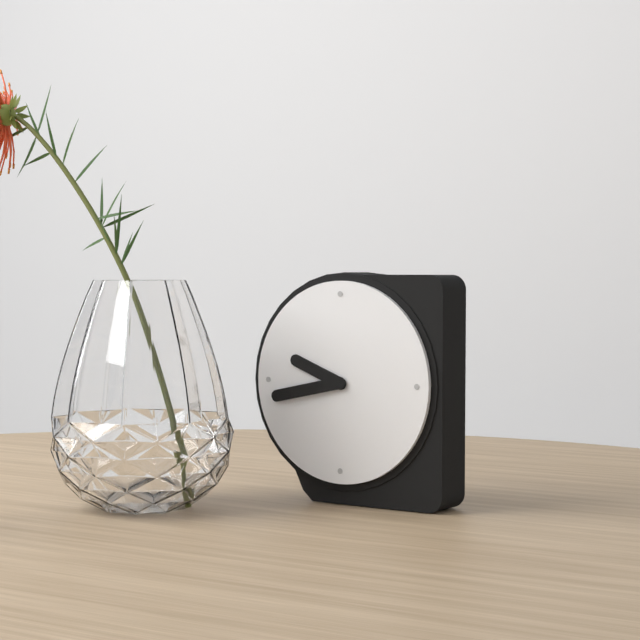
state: 9:43
